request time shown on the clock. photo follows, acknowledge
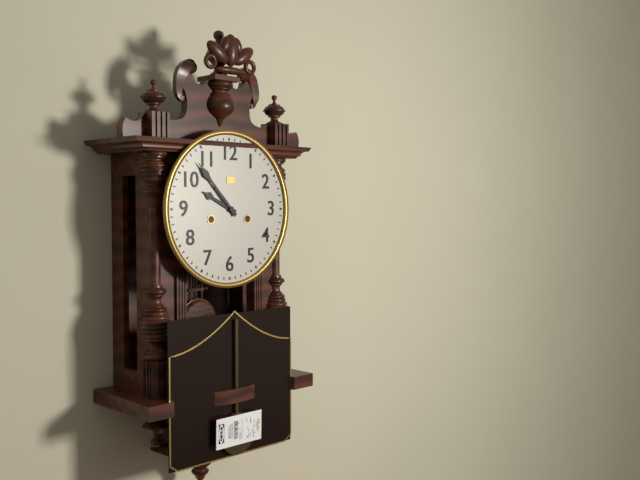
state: 9:53
